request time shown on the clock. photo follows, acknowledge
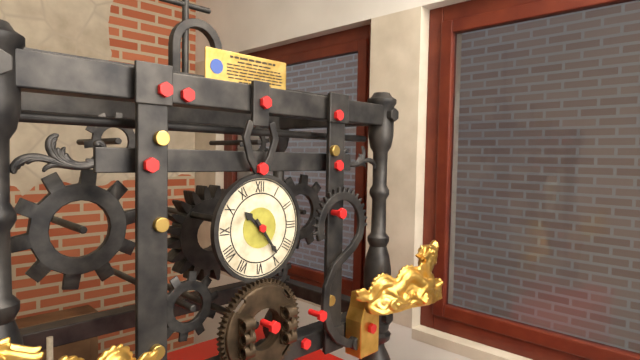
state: 10:24
